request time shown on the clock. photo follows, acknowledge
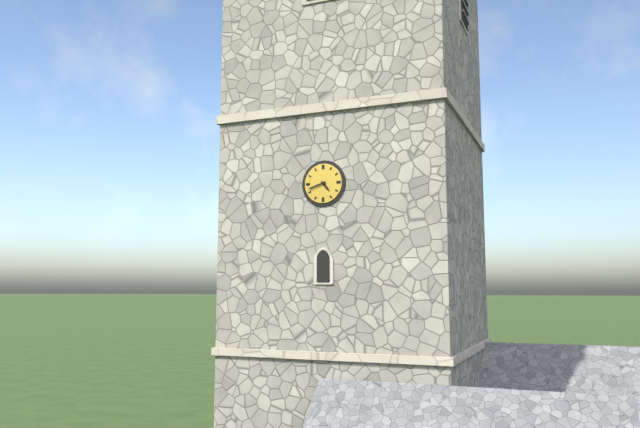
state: 4:42
